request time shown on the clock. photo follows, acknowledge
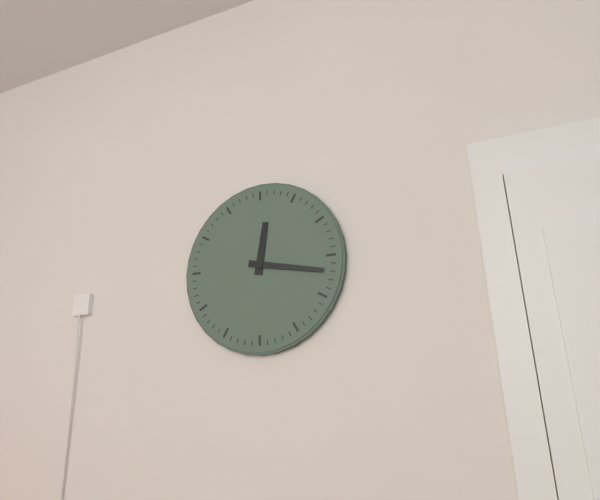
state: 12:17
